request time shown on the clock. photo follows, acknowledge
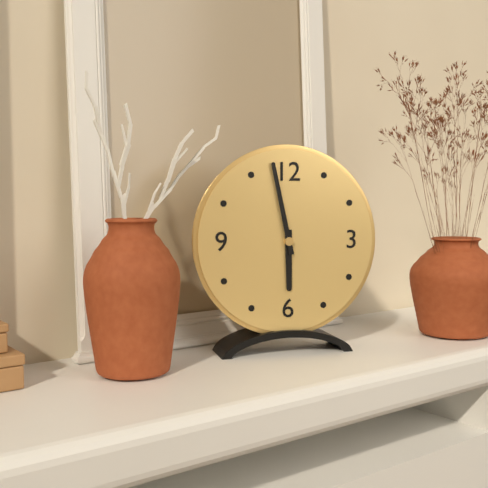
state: 5:58
